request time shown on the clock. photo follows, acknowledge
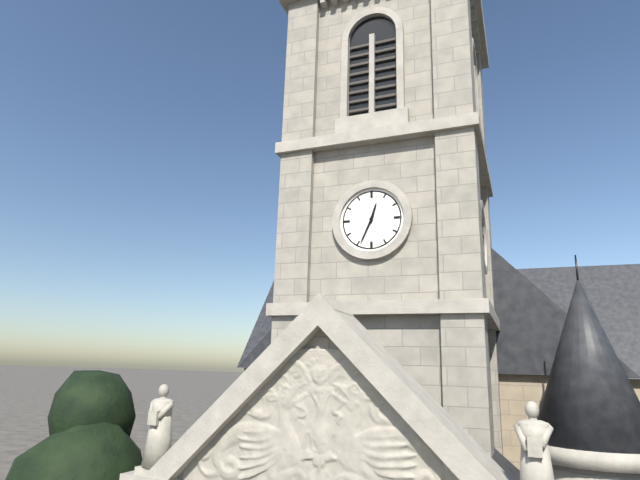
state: 12:34
